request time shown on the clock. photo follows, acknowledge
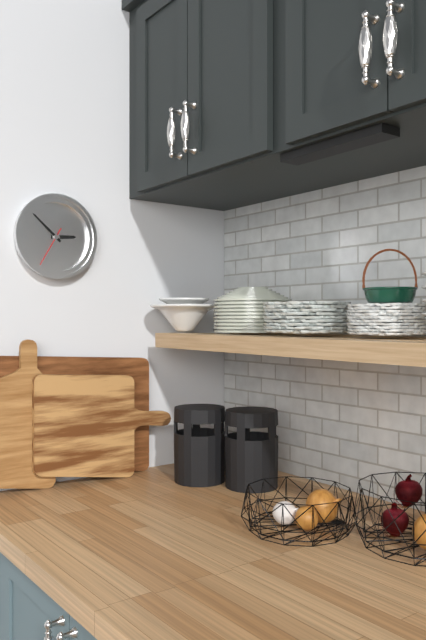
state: 2:52
